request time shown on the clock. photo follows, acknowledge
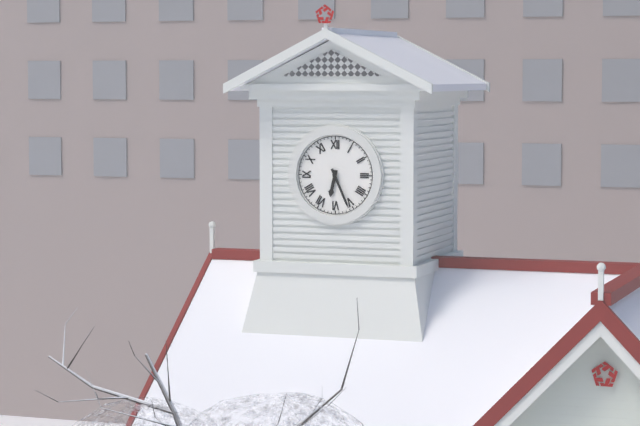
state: 6:26
